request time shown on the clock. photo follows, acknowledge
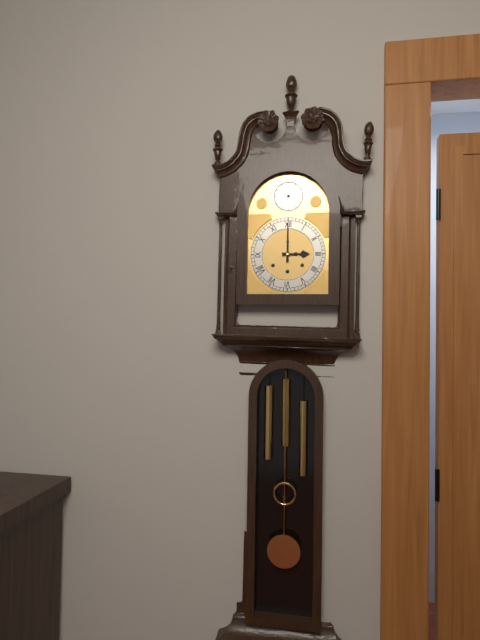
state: 3:00
